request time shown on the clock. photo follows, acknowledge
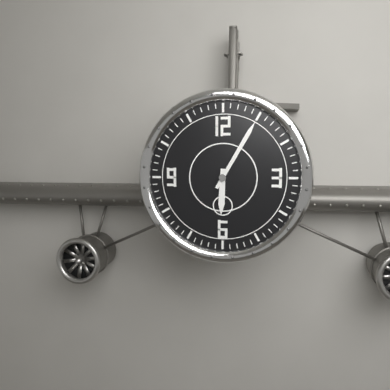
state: 6:05
